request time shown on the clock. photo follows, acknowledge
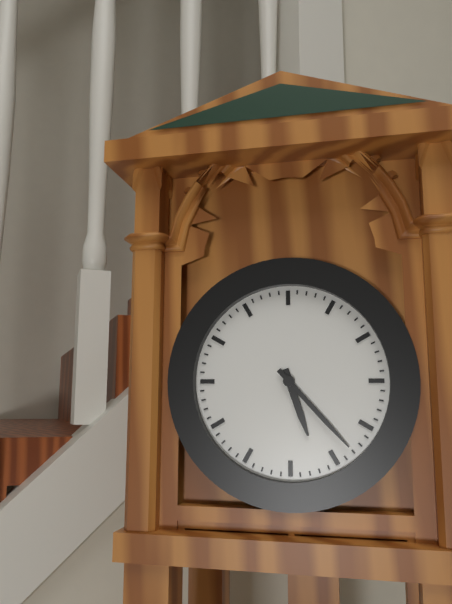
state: 5:23
